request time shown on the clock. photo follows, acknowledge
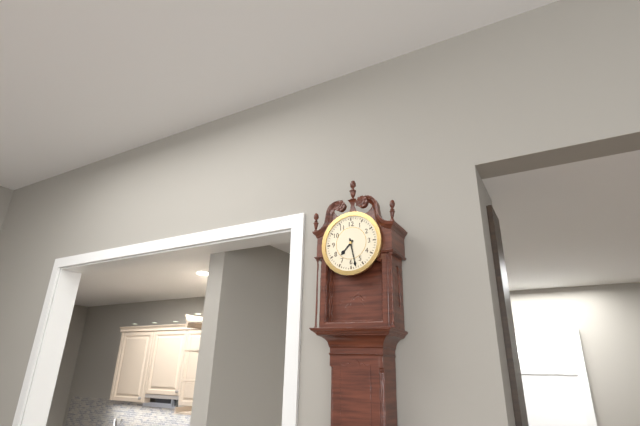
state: 7:28
